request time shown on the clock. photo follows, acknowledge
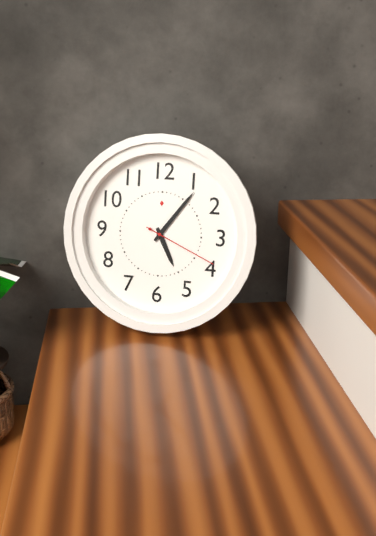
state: 5:06:19
